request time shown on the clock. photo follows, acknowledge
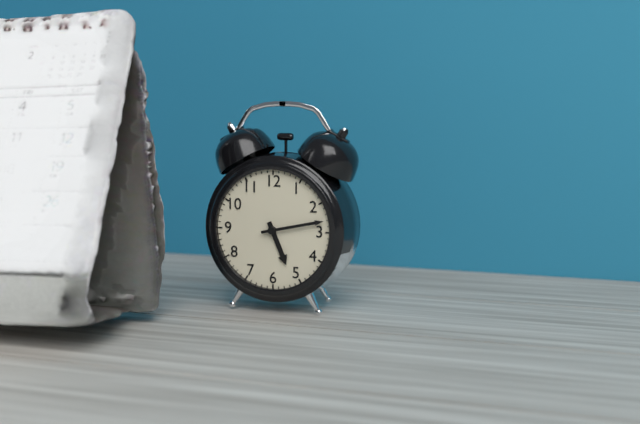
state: 5:13
